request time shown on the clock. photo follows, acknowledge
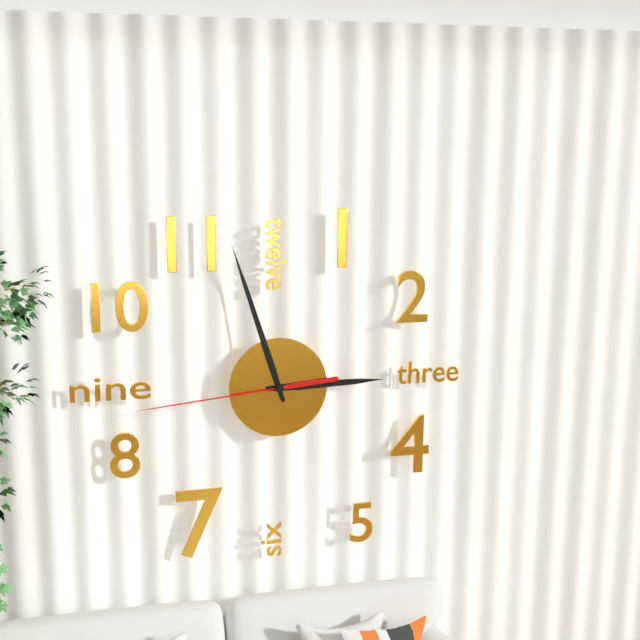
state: 2:57:44
